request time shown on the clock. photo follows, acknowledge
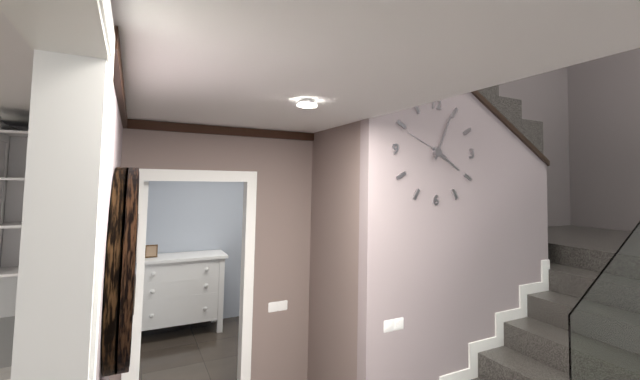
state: 4:04
